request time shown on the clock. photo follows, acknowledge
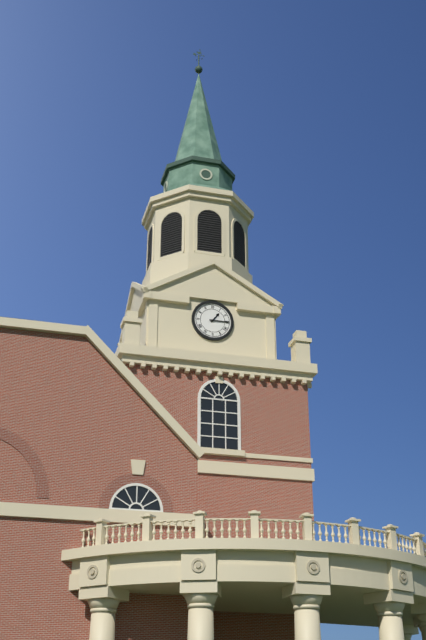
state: 1:15
